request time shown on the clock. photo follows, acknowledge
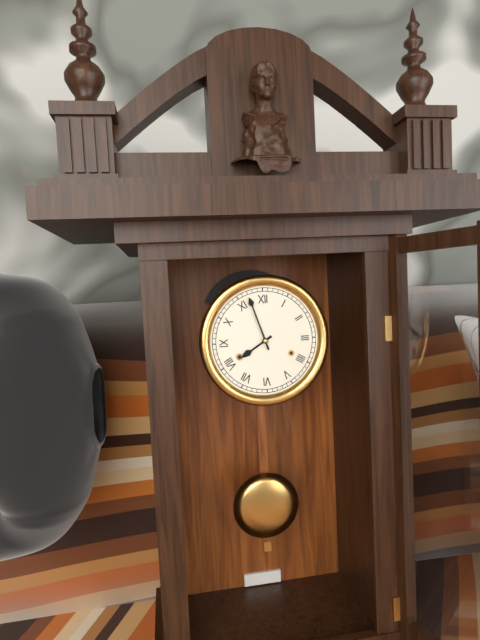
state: 7:57
